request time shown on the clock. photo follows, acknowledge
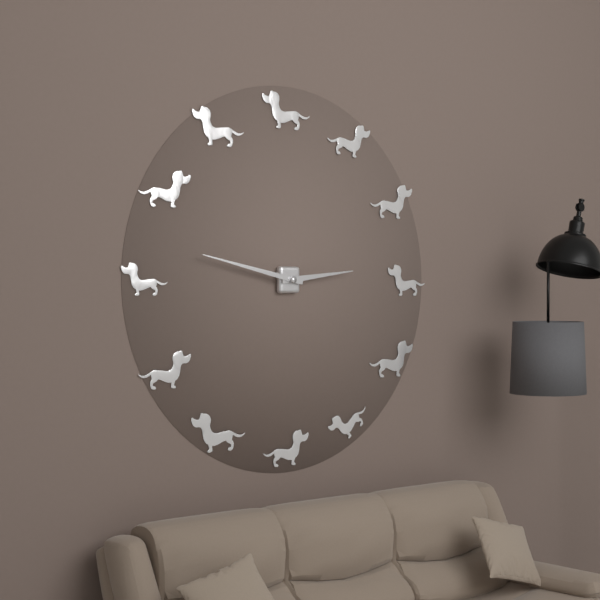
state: 2:47
